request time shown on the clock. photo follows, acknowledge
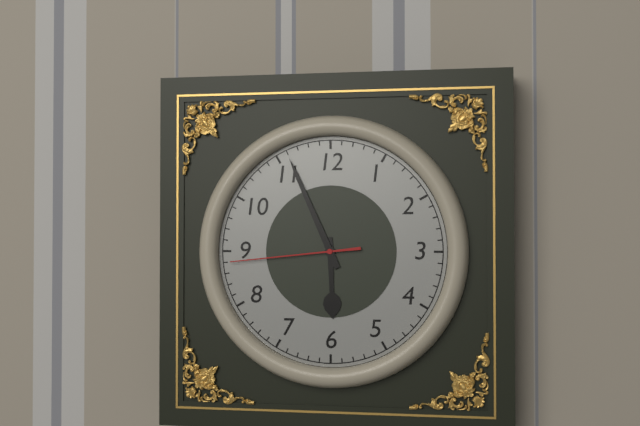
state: 5:56:44
